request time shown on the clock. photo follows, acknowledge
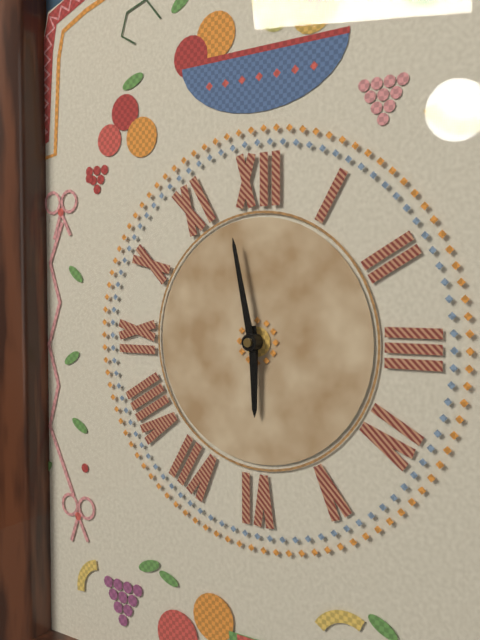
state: 5:58
